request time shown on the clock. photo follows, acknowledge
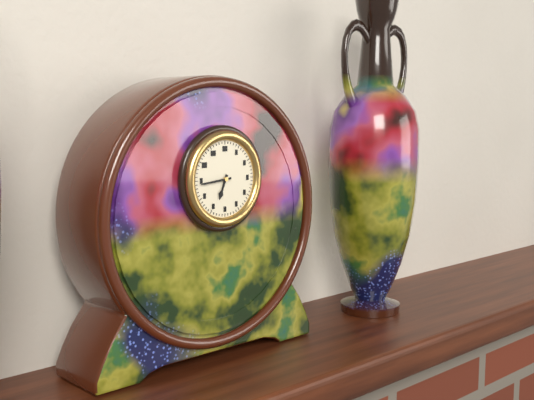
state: 6:44
